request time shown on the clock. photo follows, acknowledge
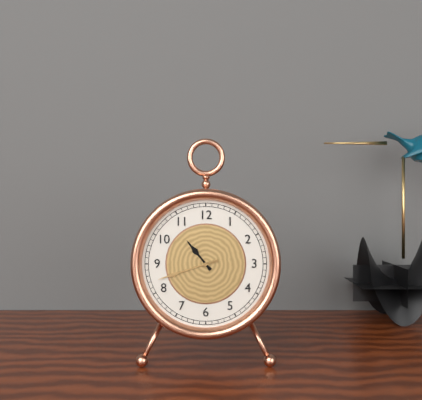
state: 10:42
